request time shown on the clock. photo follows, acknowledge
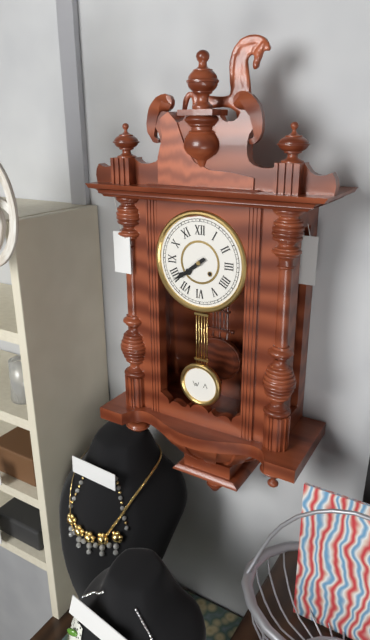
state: 7:39
